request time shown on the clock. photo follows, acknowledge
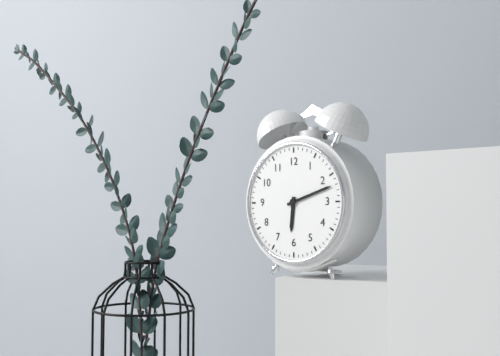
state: 6:12
